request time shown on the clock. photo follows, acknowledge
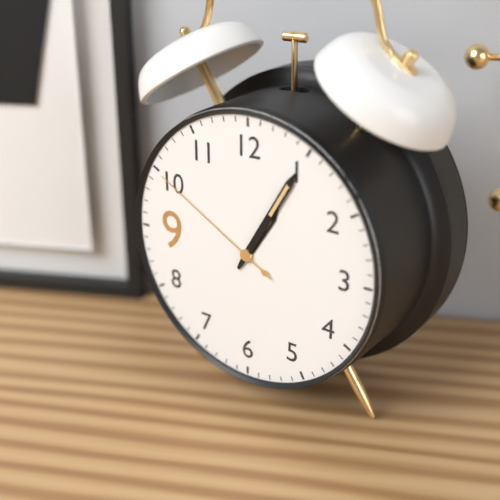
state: 1:05:50
